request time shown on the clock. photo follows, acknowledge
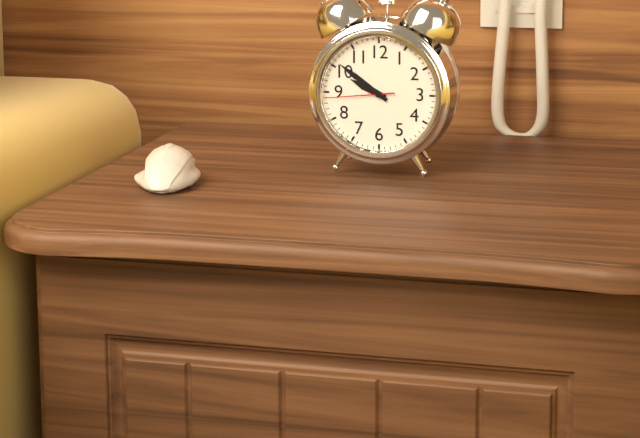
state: 9:51:44
